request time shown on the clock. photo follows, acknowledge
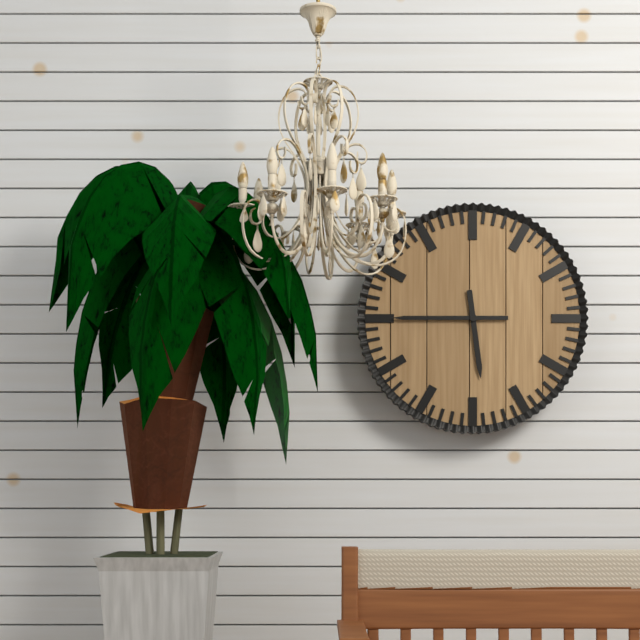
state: 5:45
